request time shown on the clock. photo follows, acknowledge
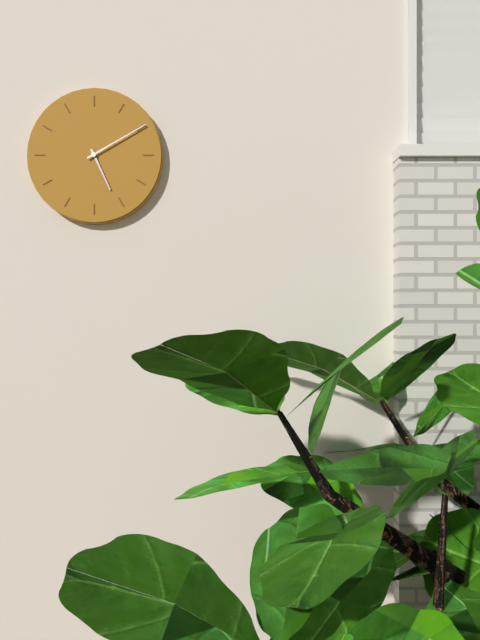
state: 5:10
